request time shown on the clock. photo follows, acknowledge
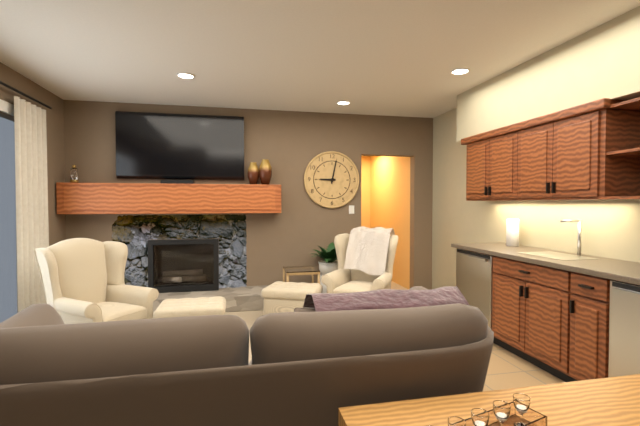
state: 9:02
